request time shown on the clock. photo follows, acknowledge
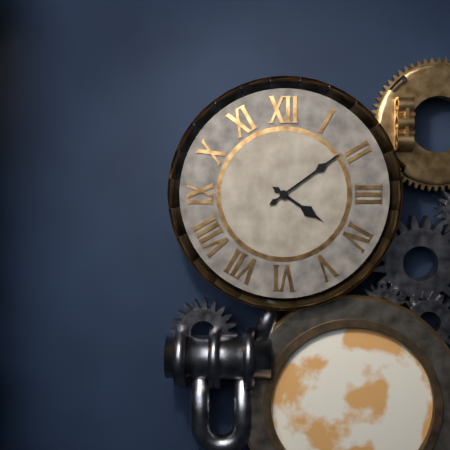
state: 4:09
